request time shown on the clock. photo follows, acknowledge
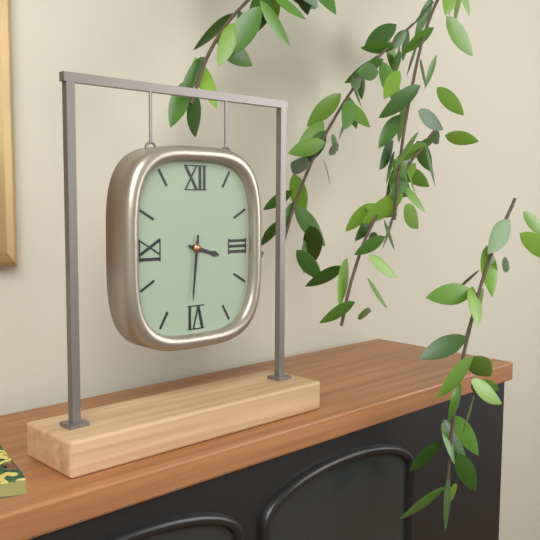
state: 3:31
